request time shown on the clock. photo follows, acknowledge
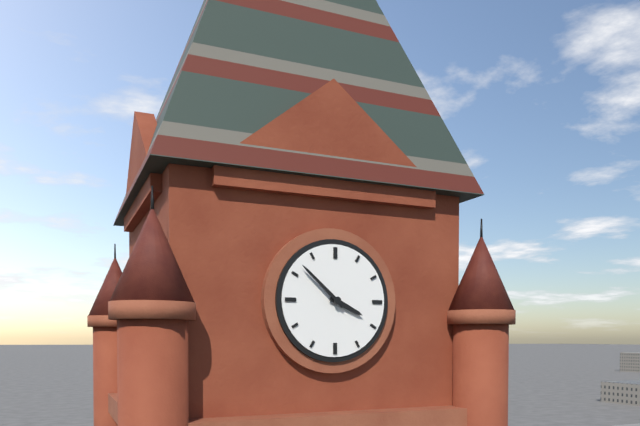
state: 3:52
